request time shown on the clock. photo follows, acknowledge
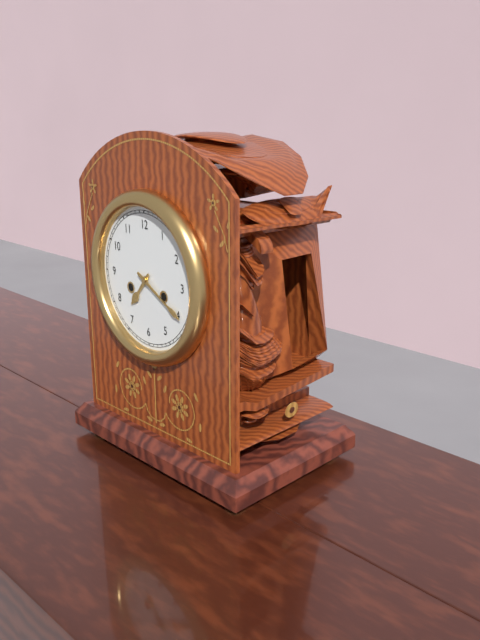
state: 7:20
